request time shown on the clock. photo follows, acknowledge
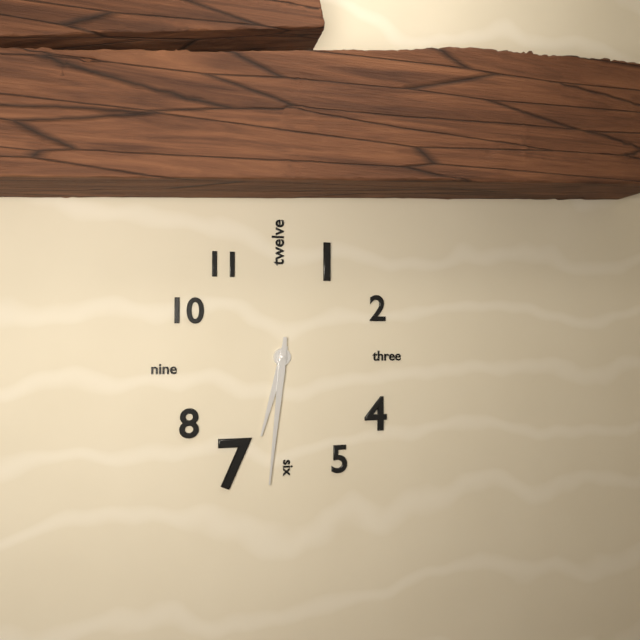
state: 6:31
